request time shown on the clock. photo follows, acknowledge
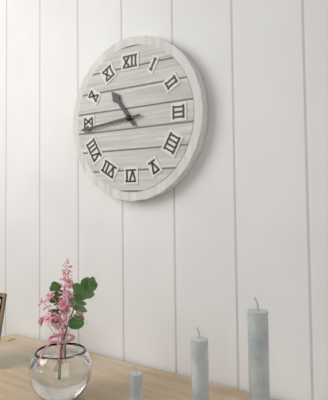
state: 10:44
